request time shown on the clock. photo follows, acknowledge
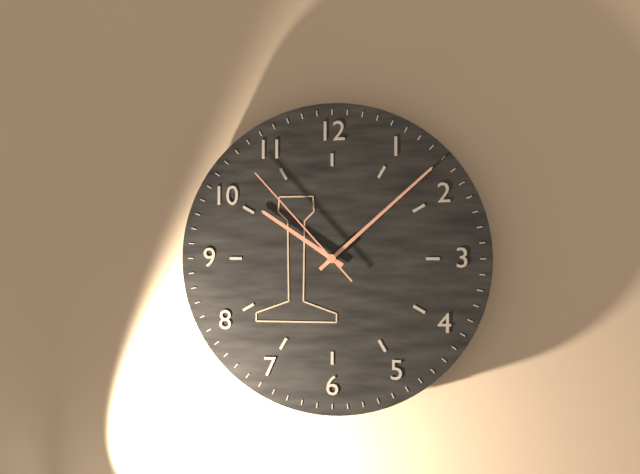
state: 10:08:53
